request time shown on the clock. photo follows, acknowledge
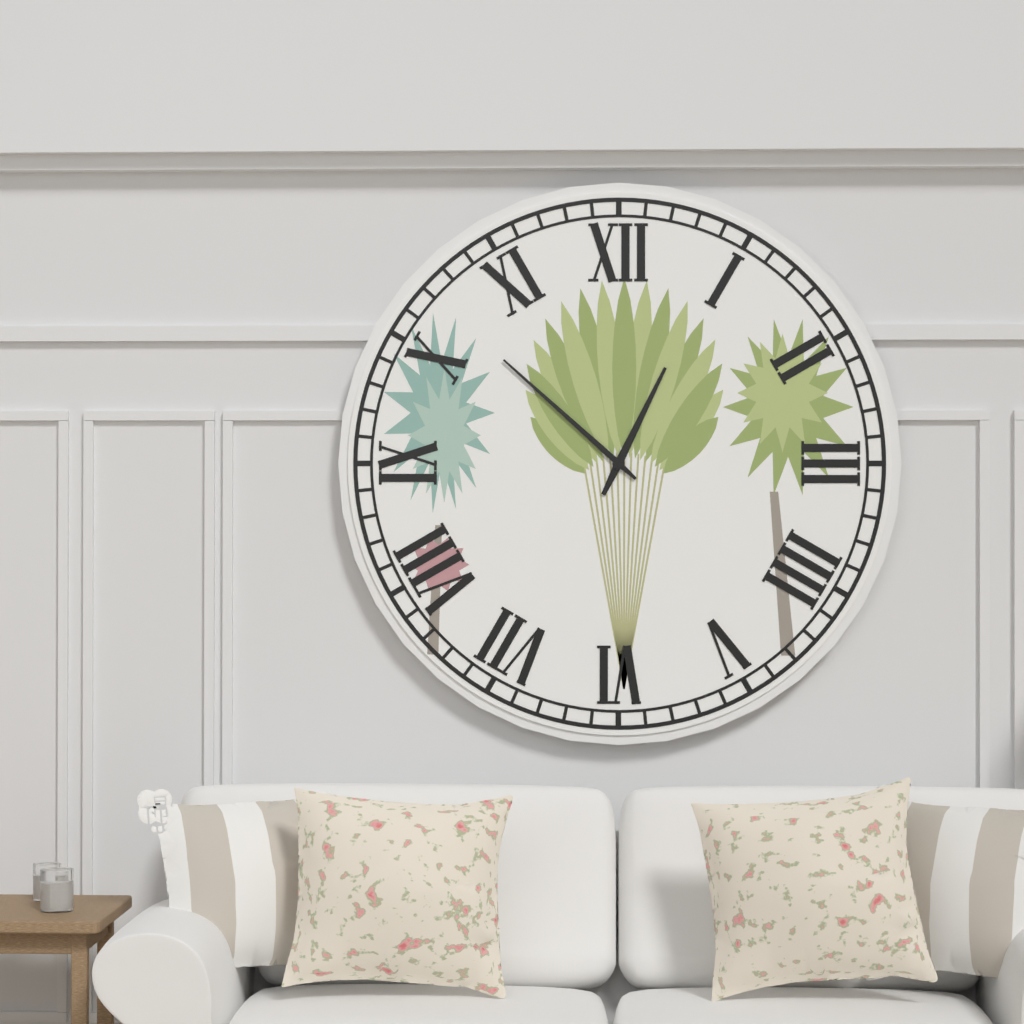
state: 12:52
